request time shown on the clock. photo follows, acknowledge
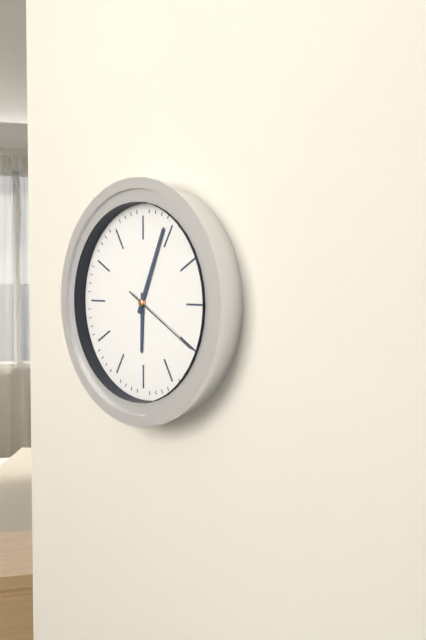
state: 6:04:20
